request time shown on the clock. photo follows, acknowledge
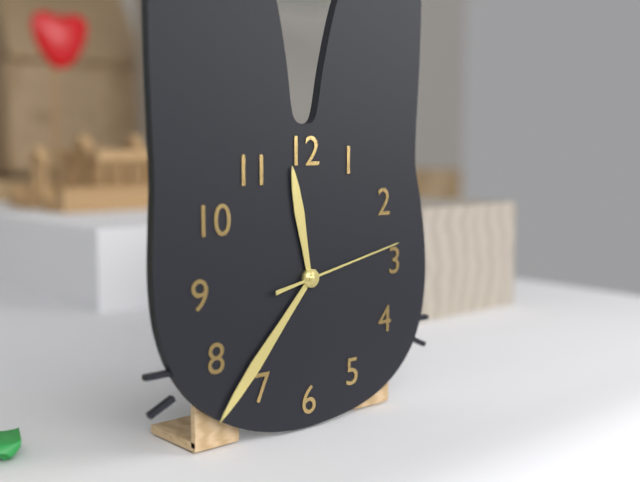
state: 11:37:13
